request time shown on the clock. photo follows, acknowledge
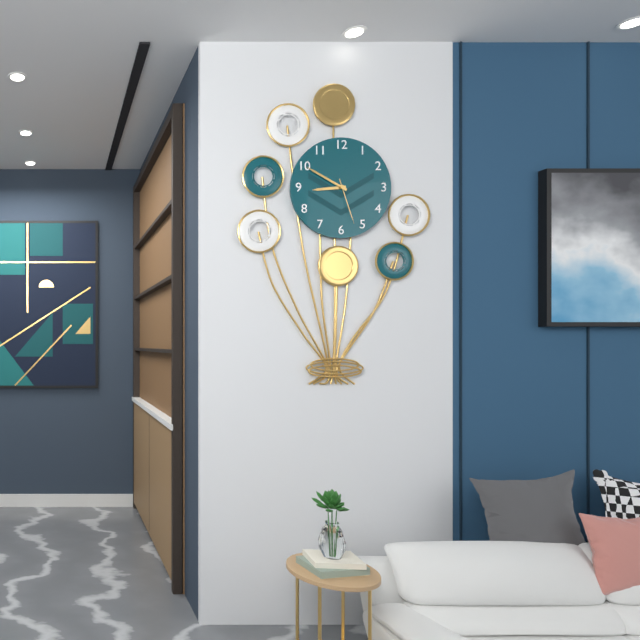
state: 8:50
